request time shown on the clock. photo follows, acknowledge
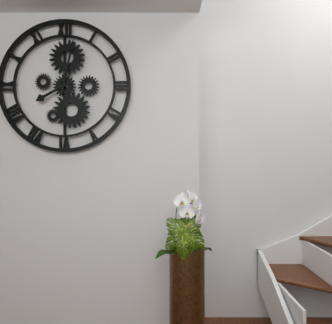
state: 8:02
